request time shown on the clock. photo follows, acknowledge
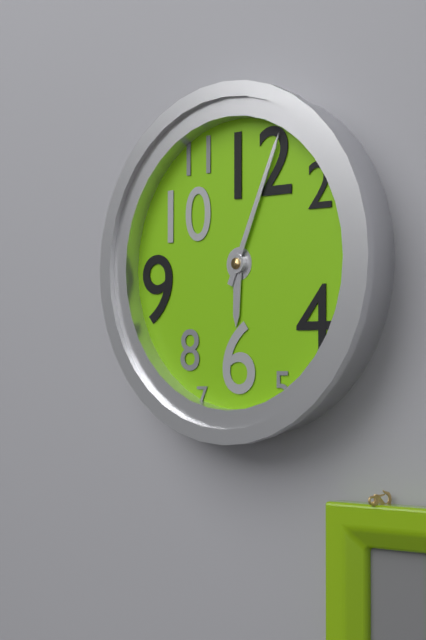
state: 6:04
